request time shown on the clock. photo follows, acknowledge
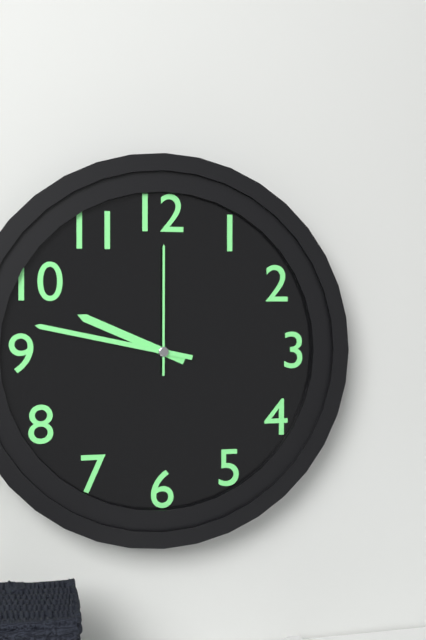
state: 9:47:00
